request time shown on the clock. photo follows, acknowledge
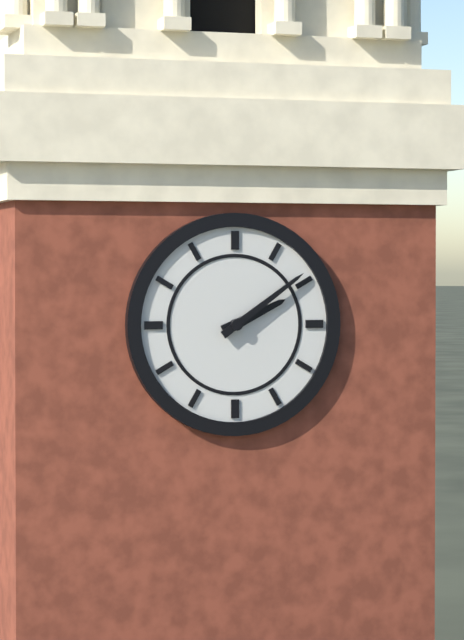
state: 2:09
